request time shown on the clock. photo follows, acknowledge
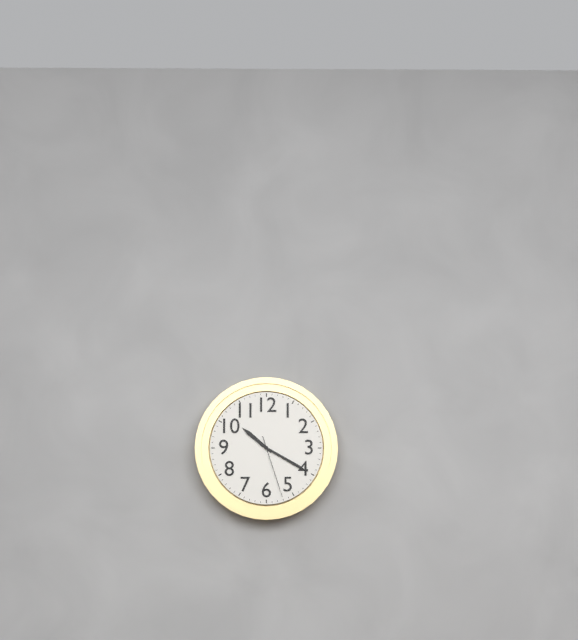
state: 10:20:27
